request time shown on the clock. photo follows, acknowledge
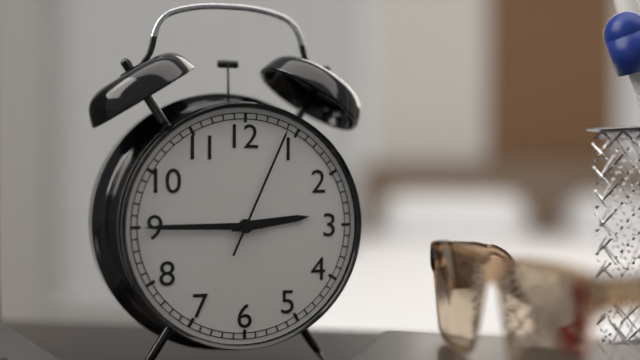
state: 2:45:04
